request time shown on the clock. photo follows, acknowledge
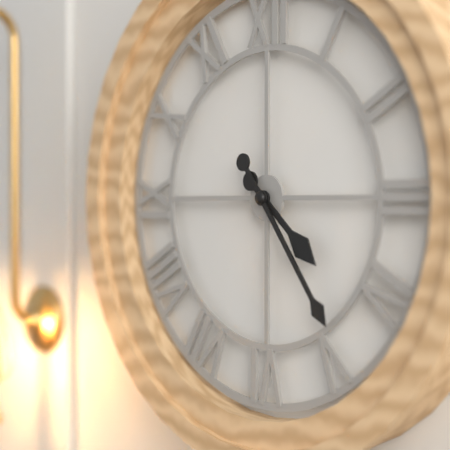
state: 4:24
